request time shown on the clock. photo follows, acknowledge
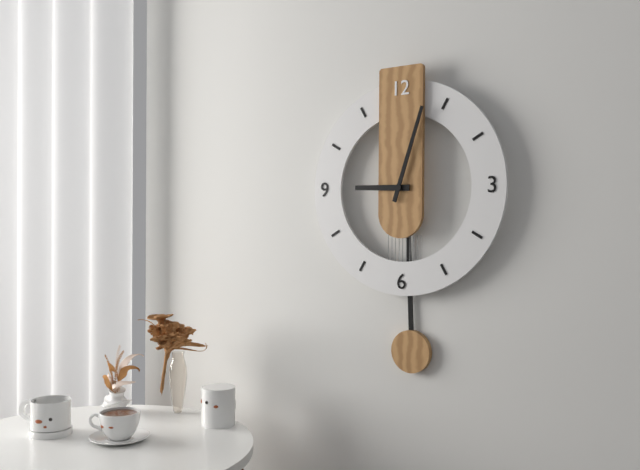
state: 9:03
